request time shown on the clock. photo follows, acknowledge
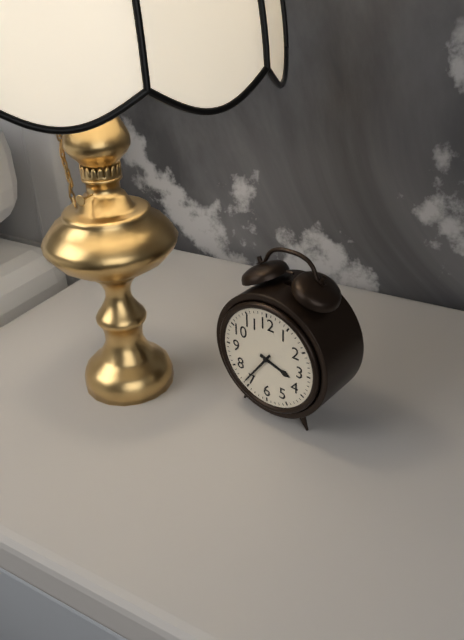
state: 3:36
